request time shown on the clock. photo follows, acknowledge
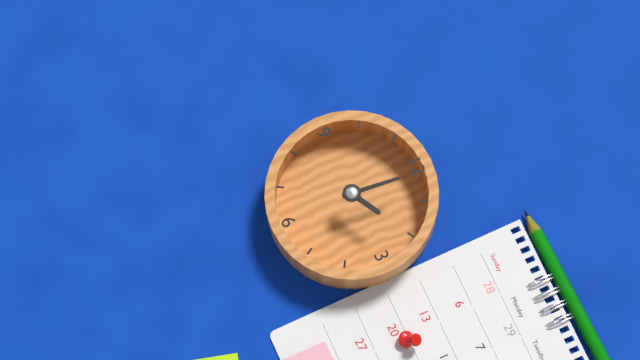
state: 2:01
